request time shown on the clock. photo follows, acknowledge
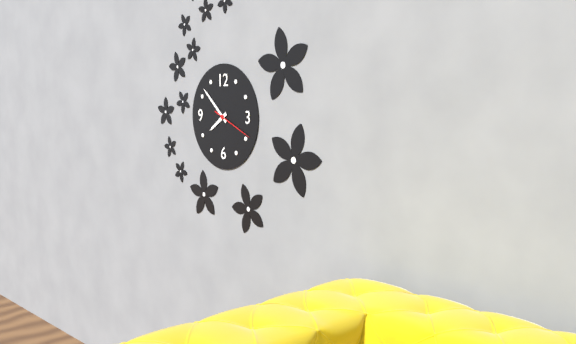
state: 7:52
